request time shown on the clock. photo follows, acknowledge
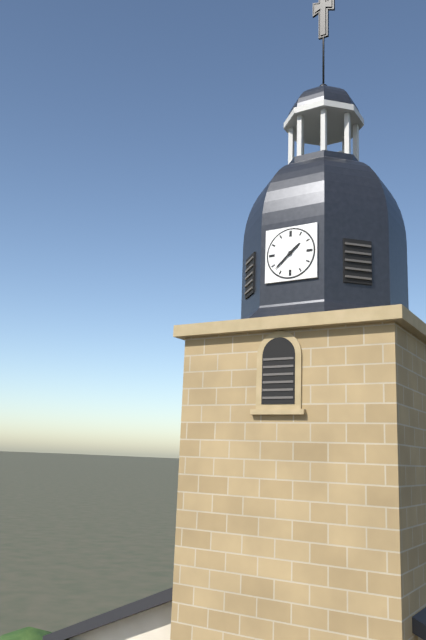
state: 1:38
